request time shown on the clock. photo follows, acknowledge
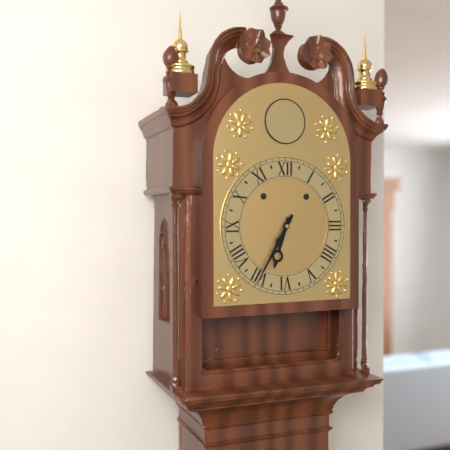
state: 6:35
